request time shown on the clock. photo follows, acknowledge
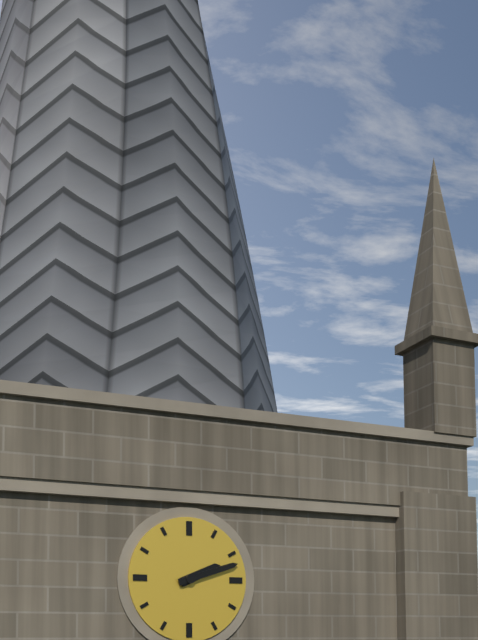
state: 2:12
